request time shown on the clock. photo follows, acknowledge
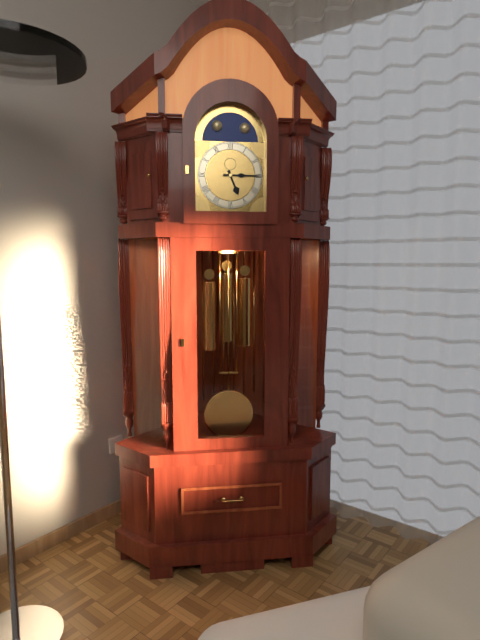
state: 5:15
